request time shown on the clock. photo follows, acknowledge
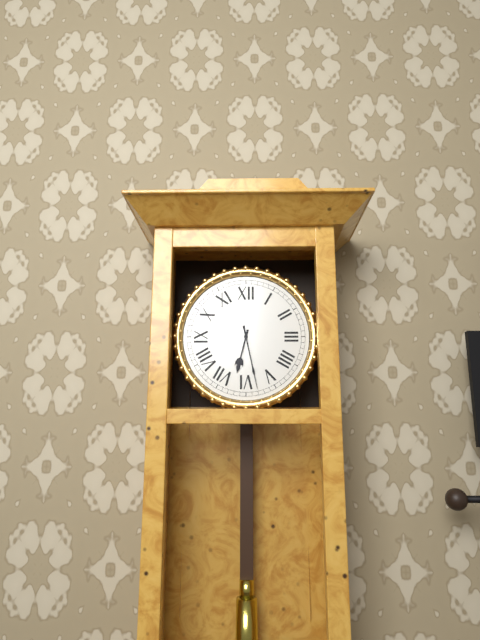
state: 6:28
